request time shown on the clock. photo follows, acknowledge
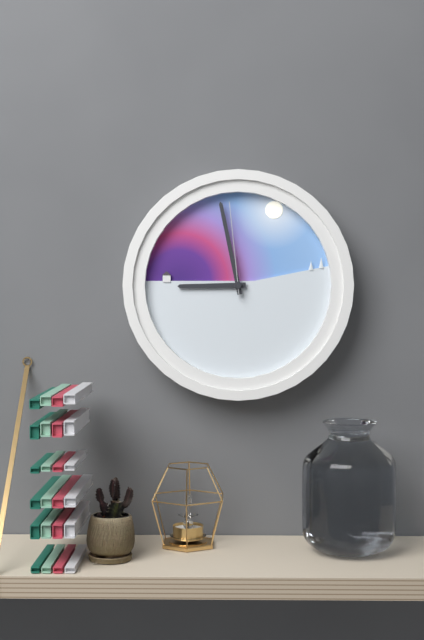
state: 8:58:59
